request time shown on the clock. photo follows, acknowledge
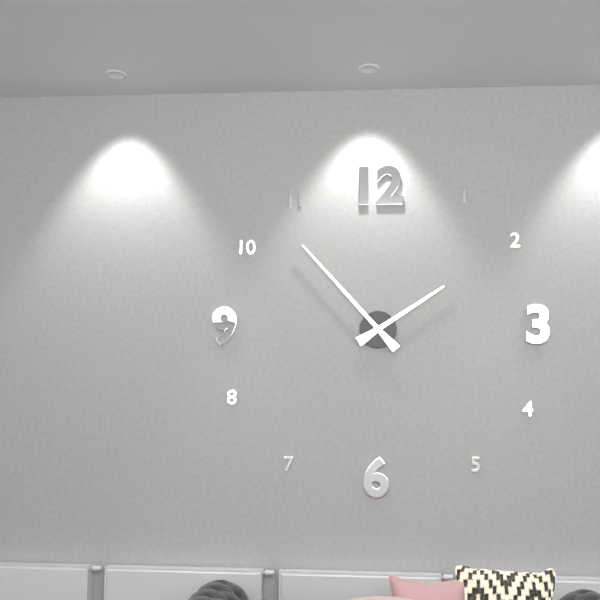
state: 1:53
